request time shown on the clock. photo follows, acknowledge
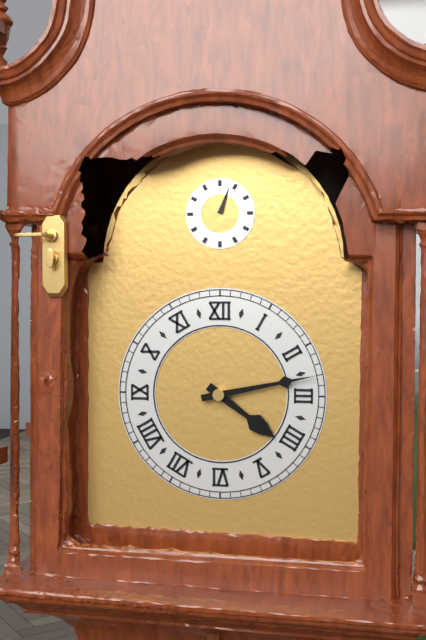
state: 4:13
